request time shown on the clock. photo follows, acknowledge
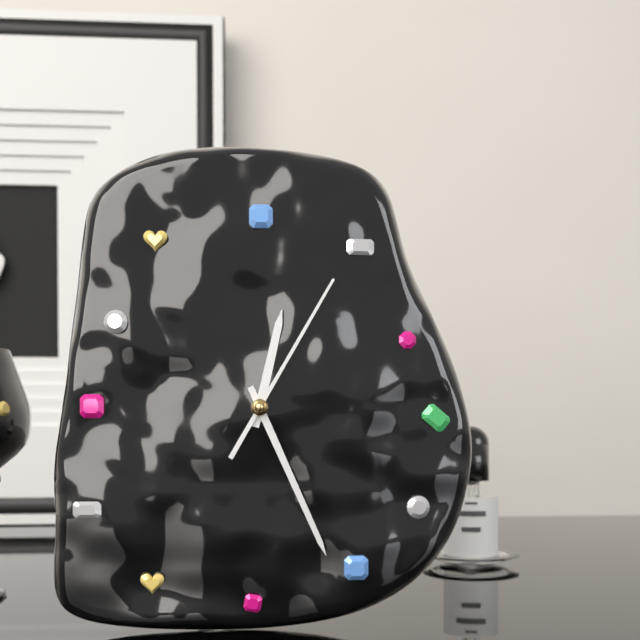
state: 12:26:05
